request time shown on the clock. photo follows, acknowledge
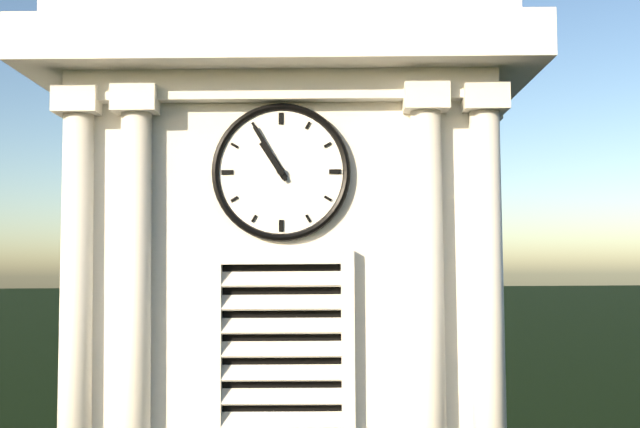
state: 10:55
